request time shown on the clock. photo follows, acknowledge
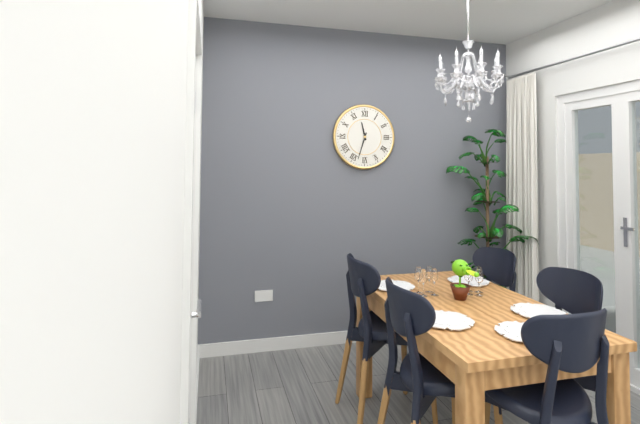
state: 11:33
